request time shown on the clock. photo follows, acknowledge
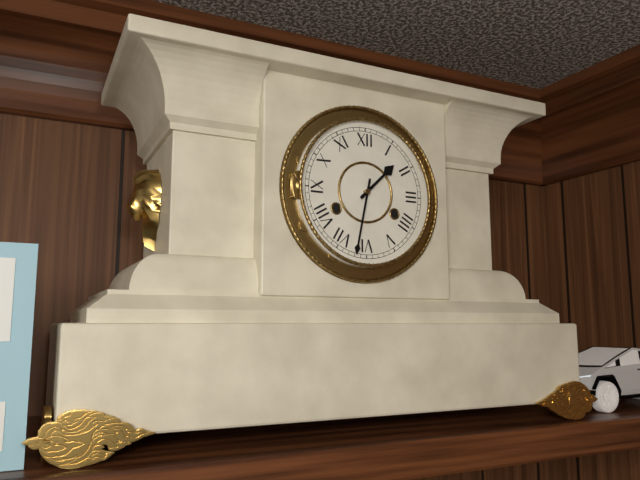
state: 1:32
